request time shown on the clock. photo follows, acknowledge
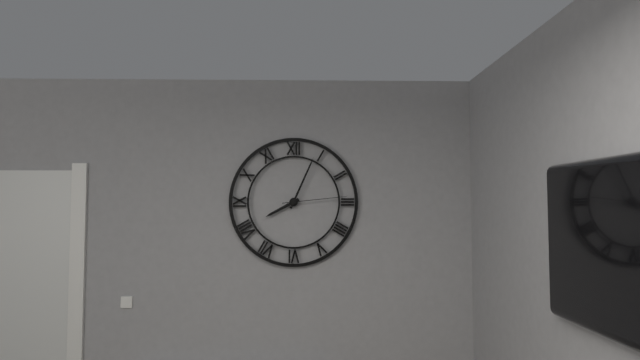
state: 8:04:14
